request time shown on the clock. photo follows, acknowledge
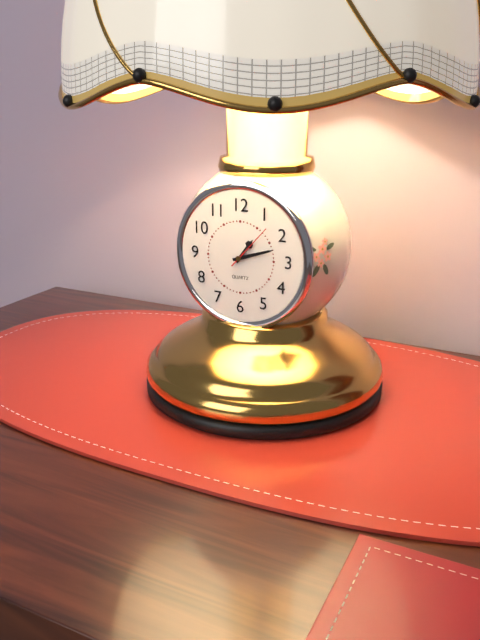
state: 1:12:07
